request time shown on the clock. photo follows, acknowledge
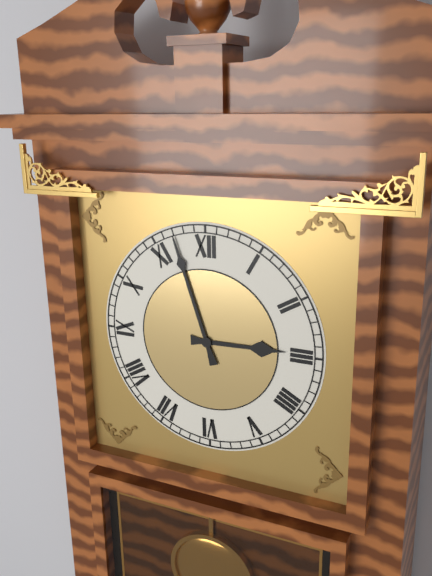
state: 2:57
